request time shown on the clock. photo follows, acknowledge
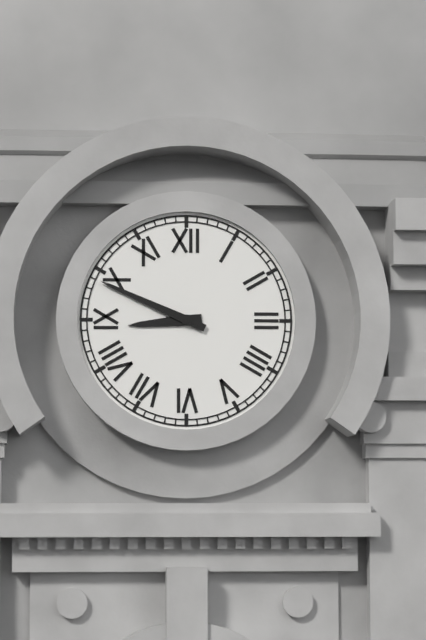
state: 8:49
